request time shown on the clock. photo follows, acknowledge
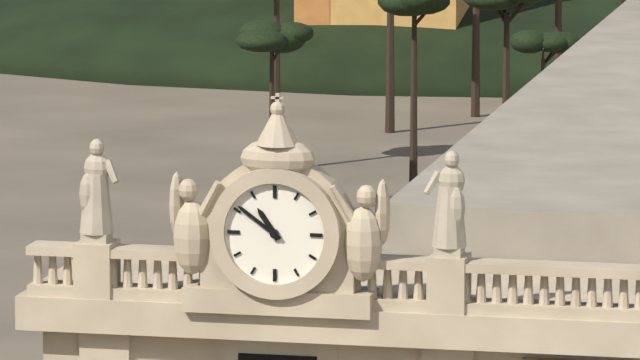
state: 10:51
